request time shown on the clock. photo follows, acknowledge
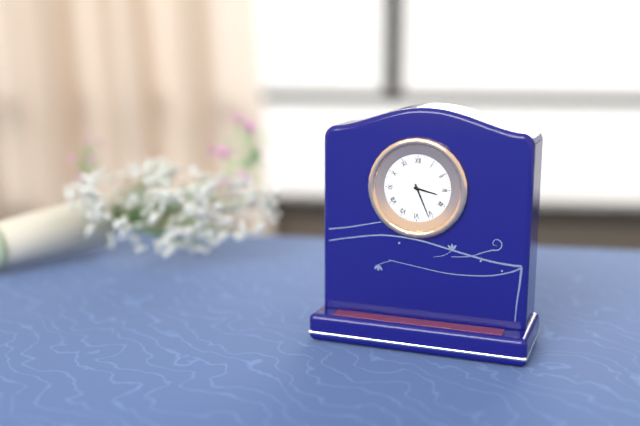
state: 3:26
